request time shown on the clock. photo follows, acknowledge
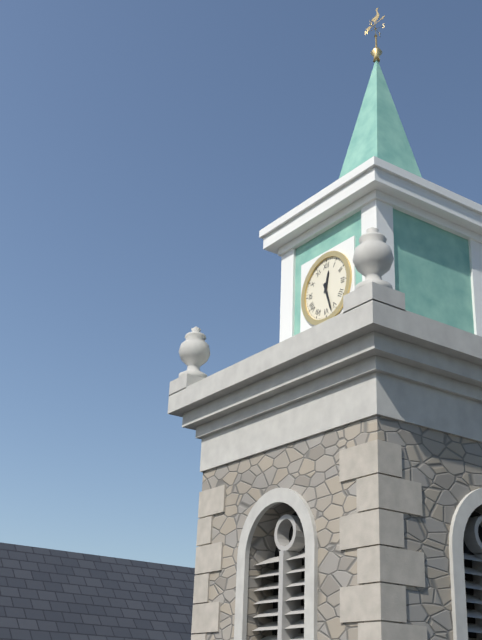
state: 12:27
